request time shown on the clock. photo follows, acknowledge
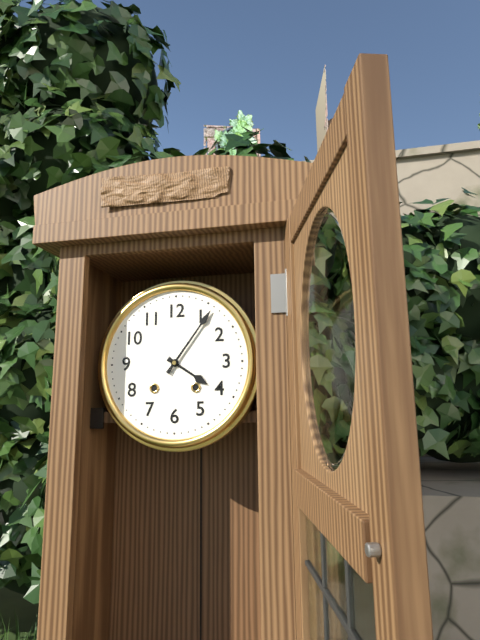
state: 4:06
